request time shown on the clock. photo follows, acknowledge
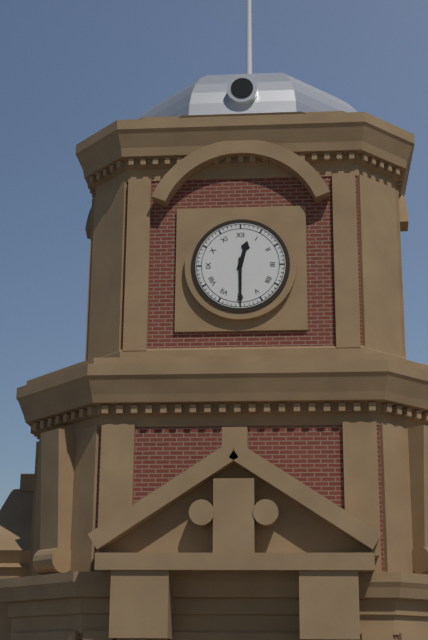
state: 12:30
